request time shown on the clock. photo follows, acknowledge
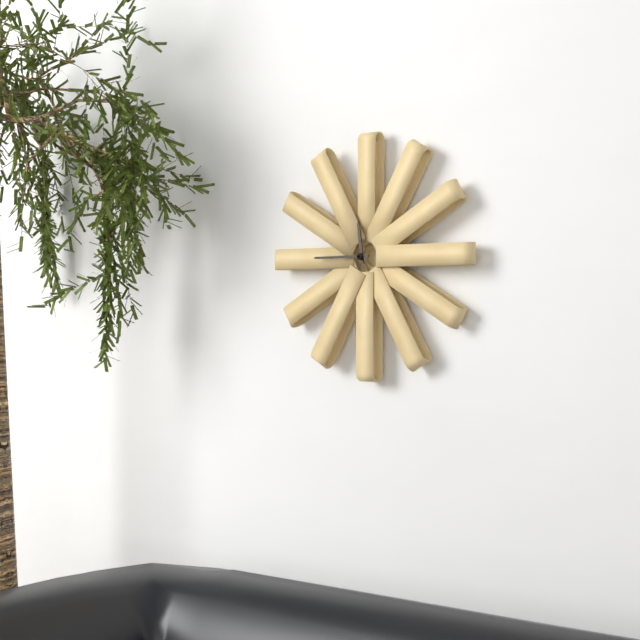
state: 11:45
